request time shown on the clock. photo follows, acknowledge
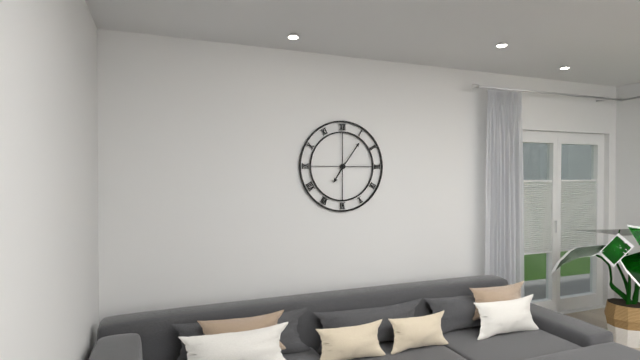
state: 7:06
